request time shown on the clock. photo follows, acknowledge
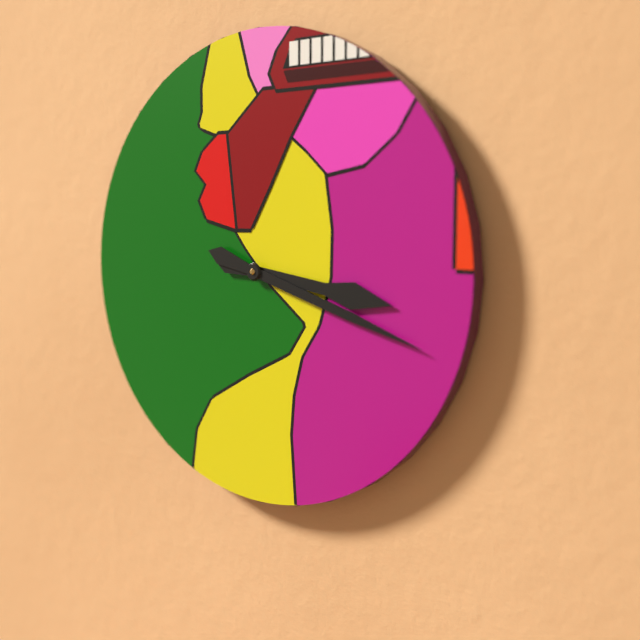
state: 3:18
